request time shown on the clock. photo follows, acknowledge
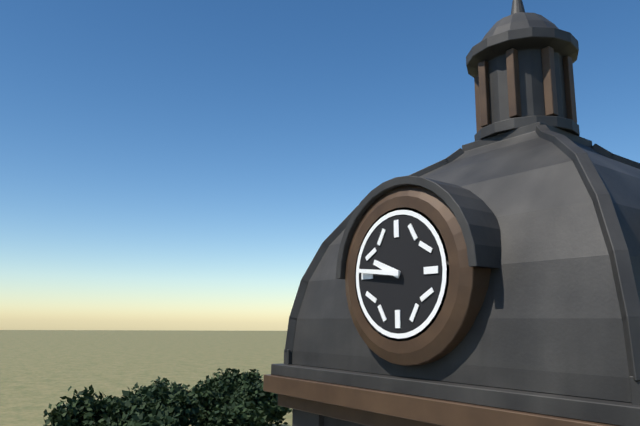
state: 9:46
